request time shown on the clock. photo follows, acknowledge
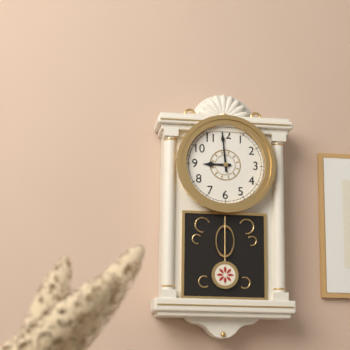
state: 8:59
